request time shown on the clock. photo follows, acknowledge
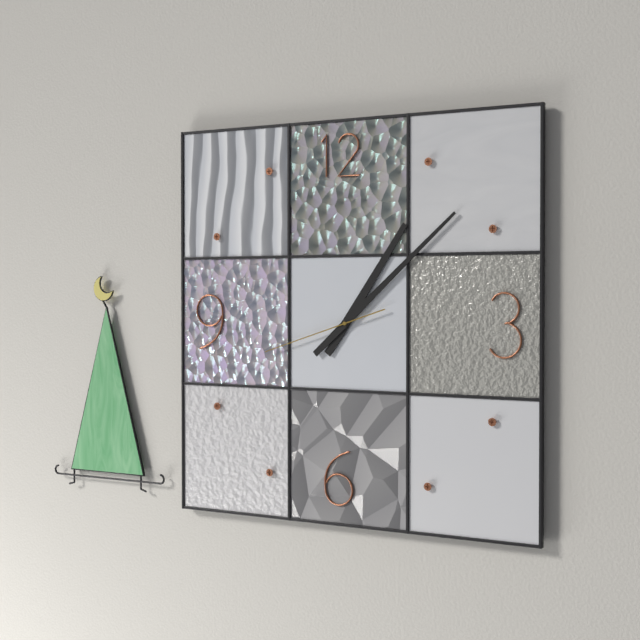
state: 1:08:42
